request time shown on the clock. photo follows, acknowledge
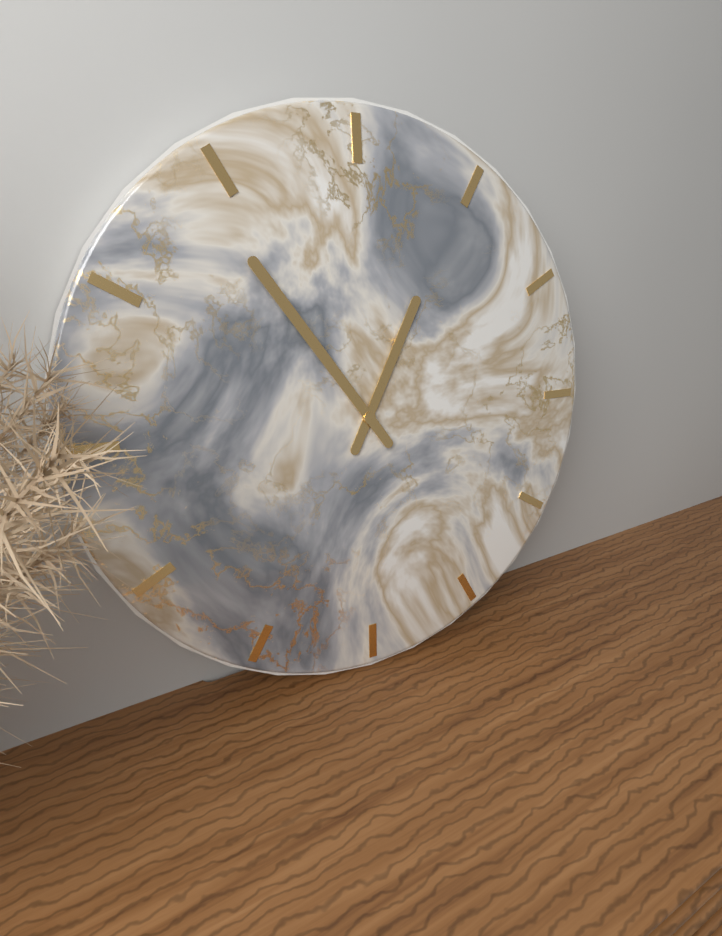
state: 12:54
